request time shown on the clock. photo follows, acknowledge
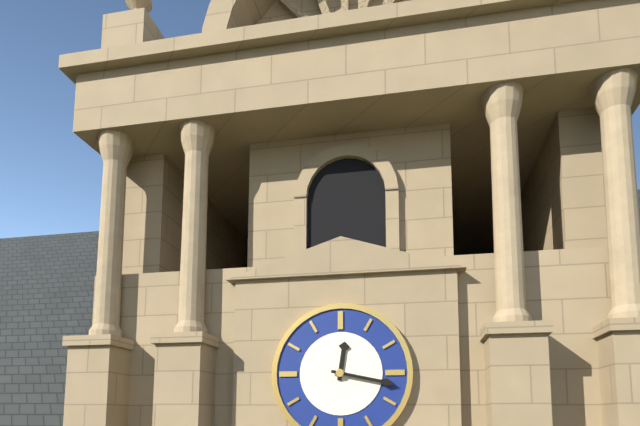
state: 12:17
